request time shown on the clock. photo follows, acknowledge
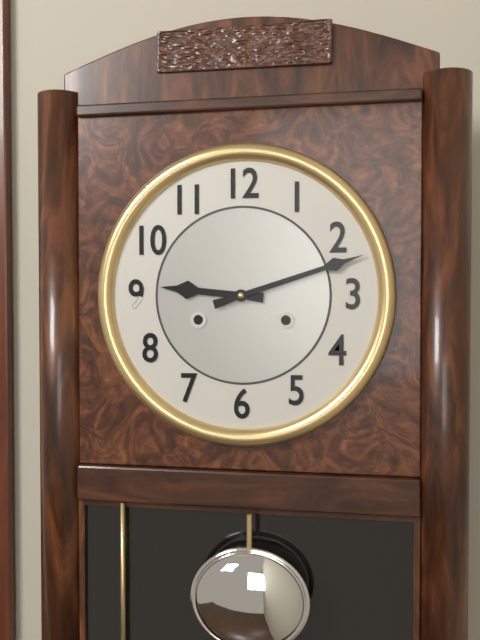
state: 9:12
